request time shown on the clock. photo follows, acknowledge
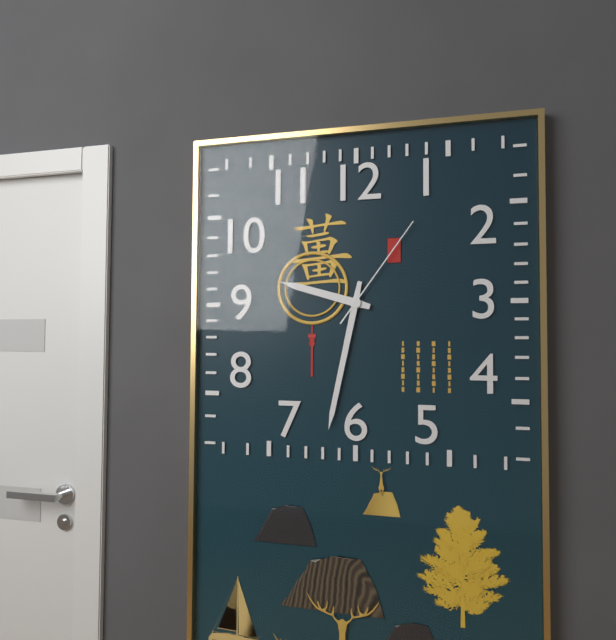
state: 9:32:06
